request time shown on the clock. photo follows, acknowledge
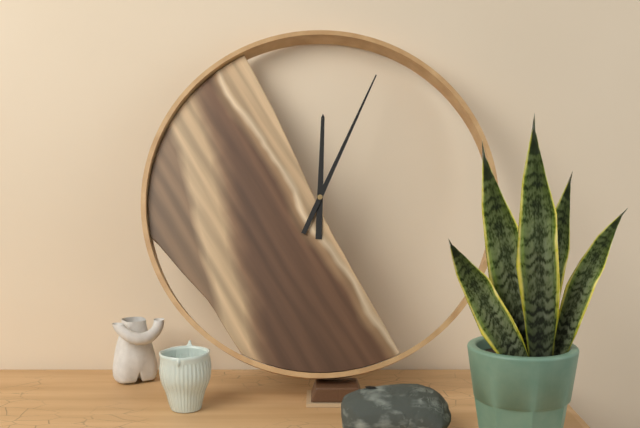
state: 12:04
